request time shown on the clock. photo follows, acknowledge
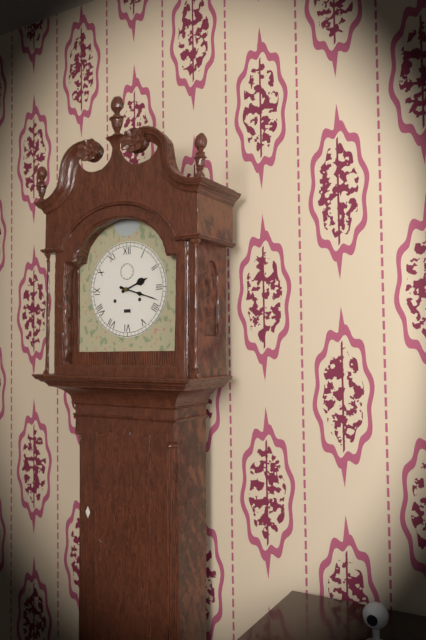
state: 2:18
